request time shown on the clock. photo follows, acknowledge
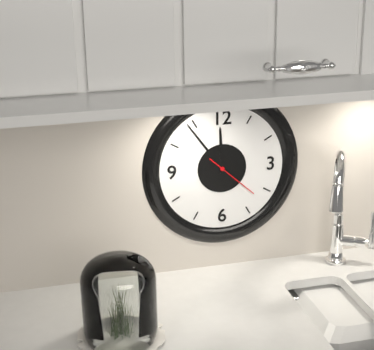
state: 11:54:22
